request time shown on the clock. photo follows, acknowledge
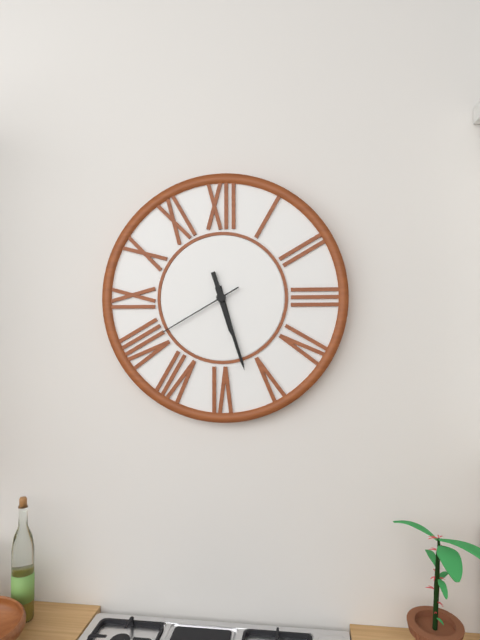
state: 5:27:40
